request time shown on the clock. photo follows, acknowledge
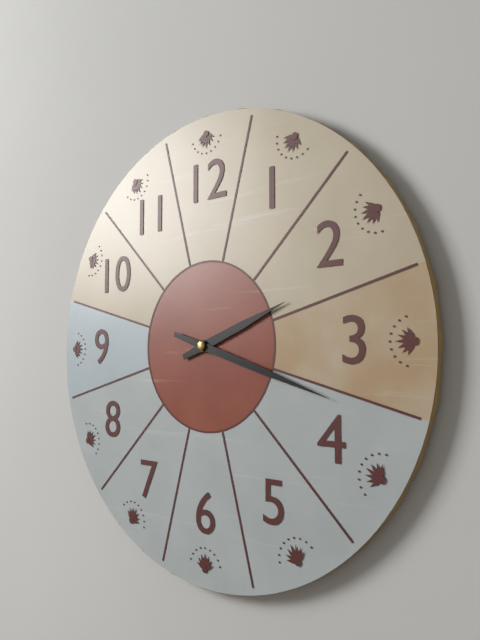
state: 2:18
